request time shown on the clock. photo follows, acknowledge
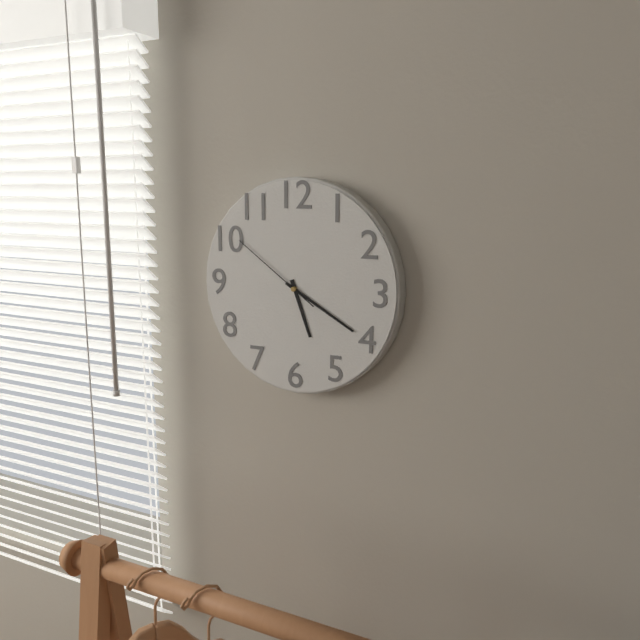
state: 5:20:51
